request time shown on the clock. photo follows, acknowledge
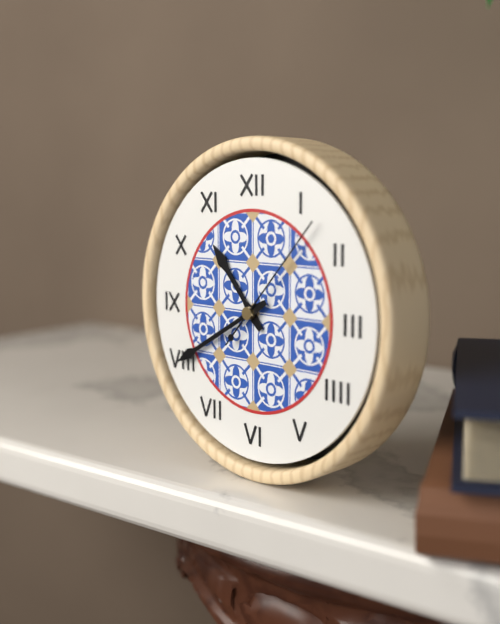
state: 10:40:07
